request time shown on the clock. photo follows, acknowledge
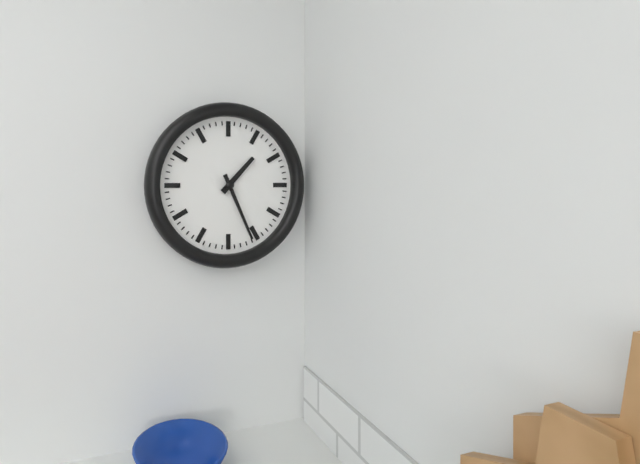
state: 1:26
